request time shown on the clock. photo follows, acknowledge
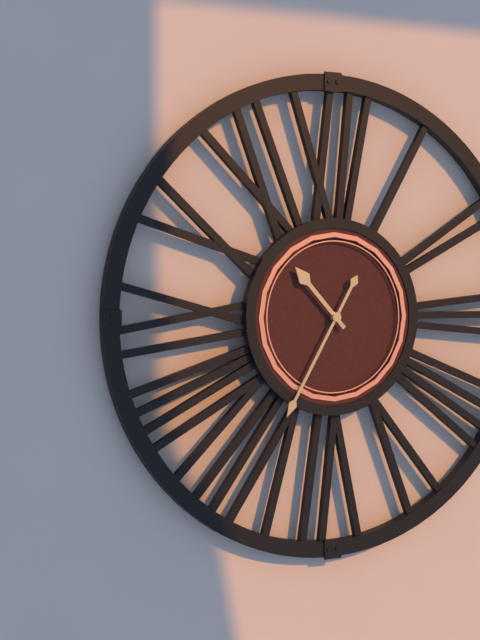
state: 10:35
